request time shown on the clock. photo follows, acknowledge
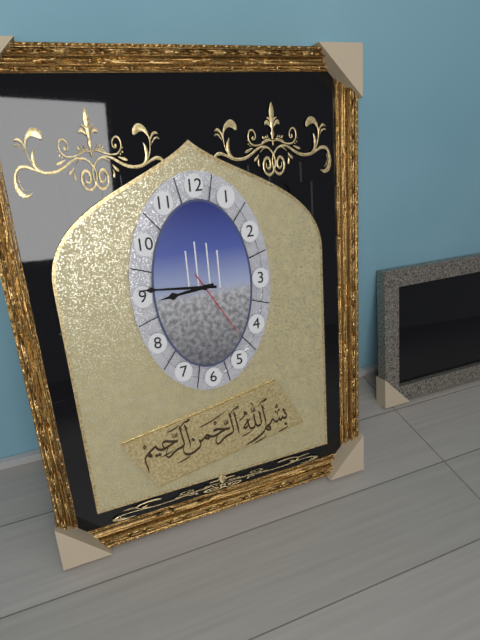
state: 8:46:25
